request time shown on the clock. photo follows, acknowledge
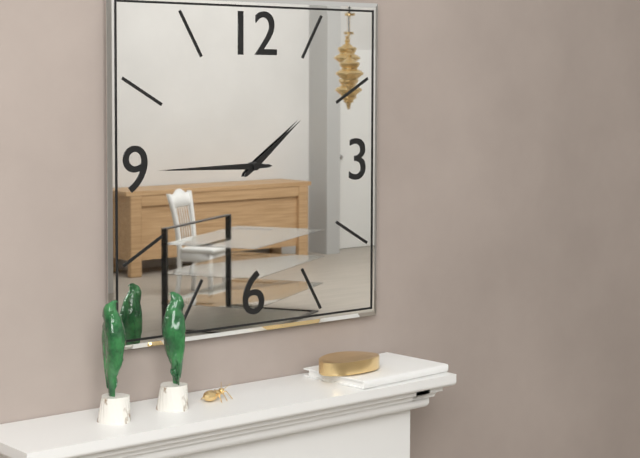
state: 1:45
